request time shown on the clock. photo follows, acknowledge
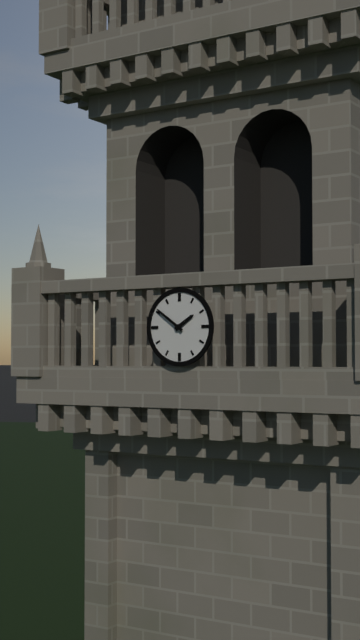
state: 1:51
